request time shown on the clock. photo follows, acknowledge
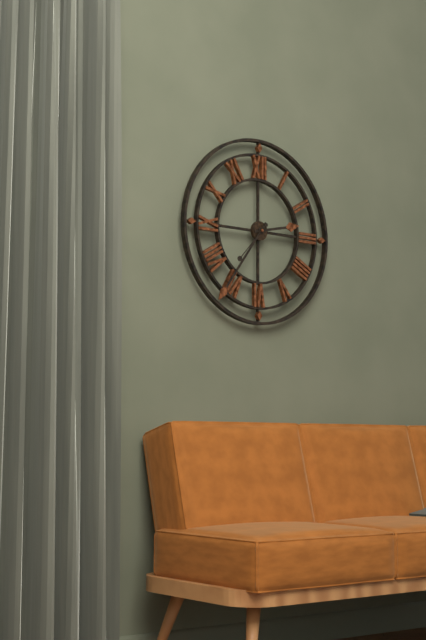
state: 2:36
